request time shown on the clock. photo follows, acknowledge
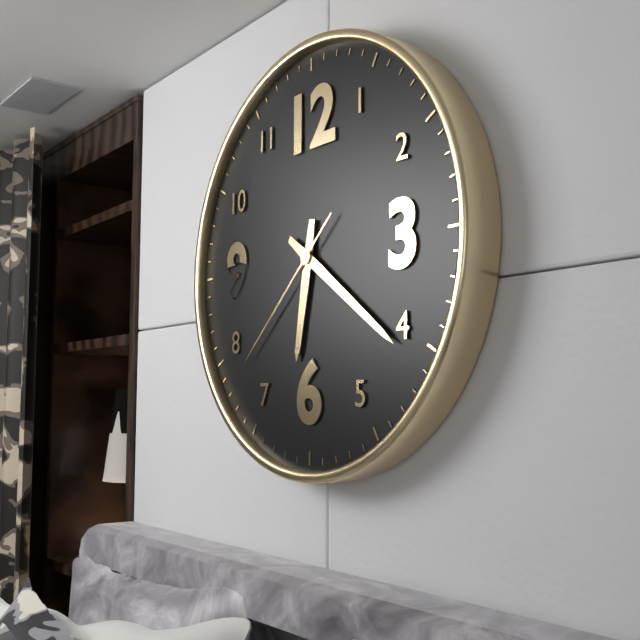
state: 6:21:38
